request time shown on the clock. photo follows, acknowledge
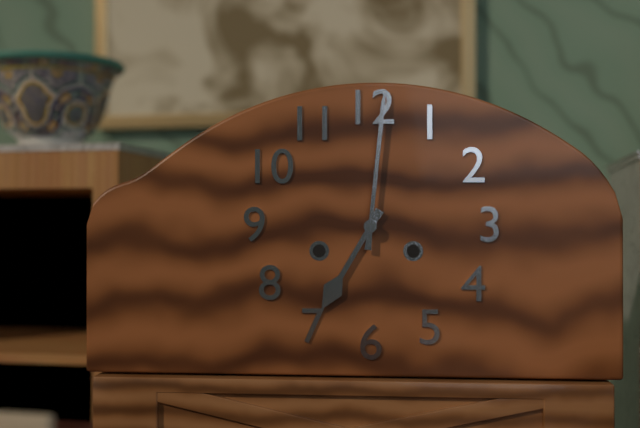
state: 7:01
